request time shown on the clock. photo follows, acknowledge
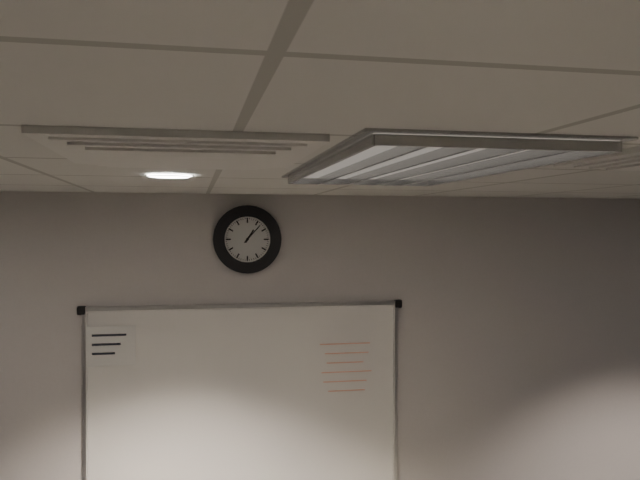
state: 1:07
